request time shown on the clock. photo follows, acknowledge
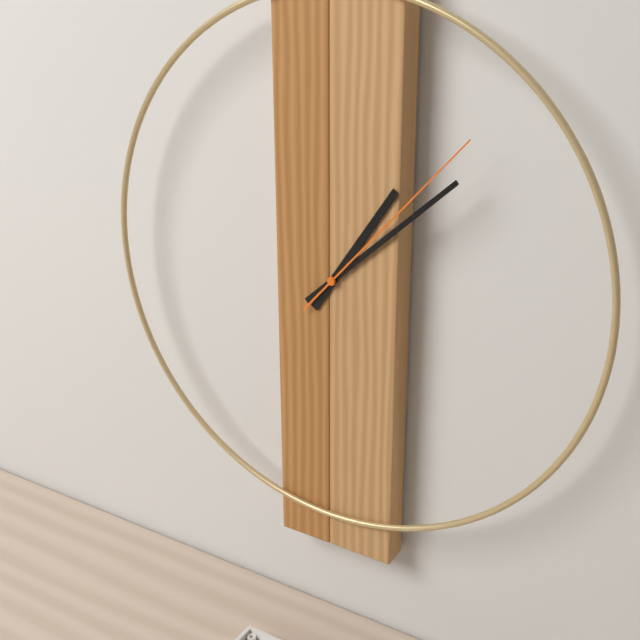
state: 1:08:07
